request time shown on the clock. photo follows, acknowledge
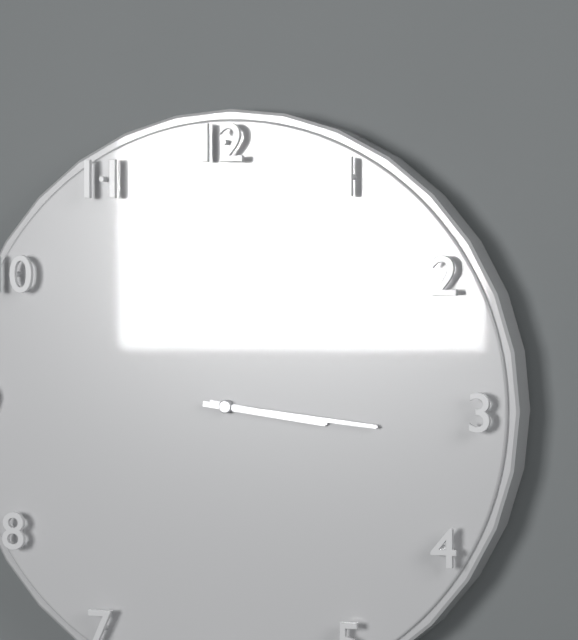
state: 3:16
